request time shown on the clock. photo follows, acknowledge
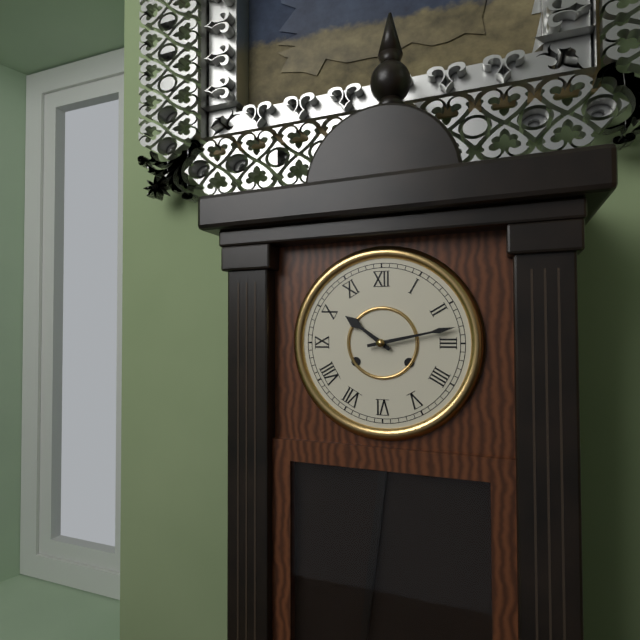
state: 10:13
